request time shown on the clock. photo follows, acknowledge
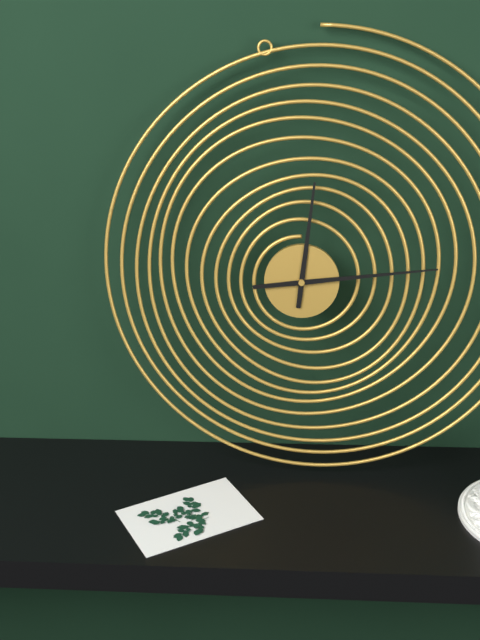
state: 12:14
